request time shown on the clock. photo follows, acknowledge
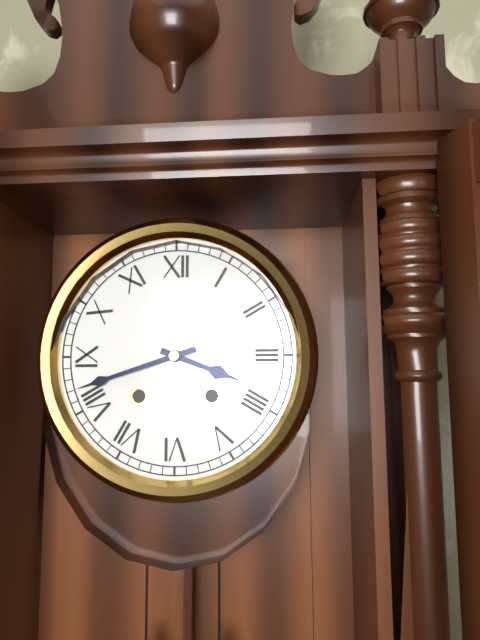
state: 3:42
